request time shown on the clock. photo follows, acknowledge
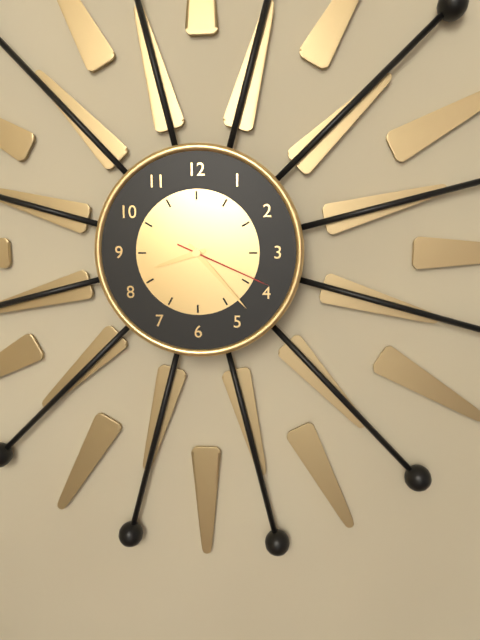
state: 8:23:19
